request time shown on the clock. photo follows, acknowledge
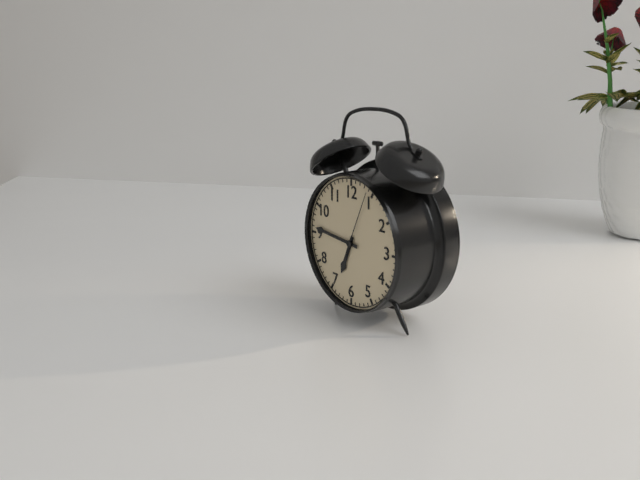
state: 6:46:04
